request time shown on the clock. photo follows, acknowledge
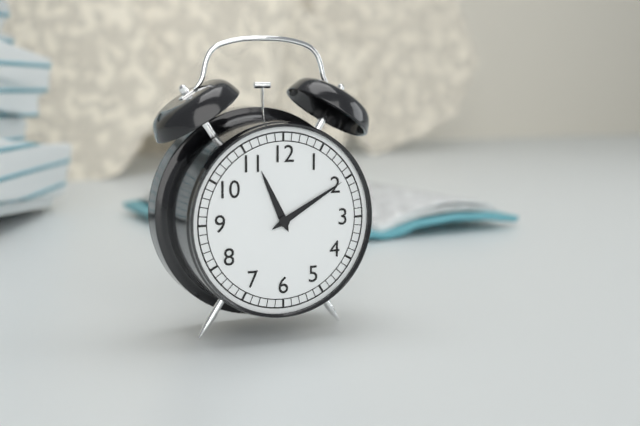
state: 11:10
